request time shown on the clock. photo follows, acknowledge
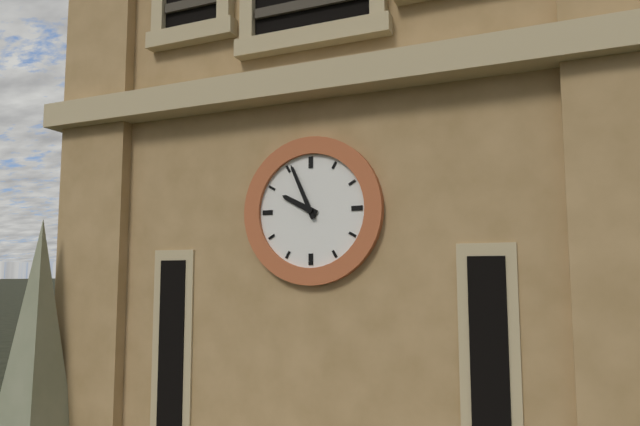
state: 9:56
